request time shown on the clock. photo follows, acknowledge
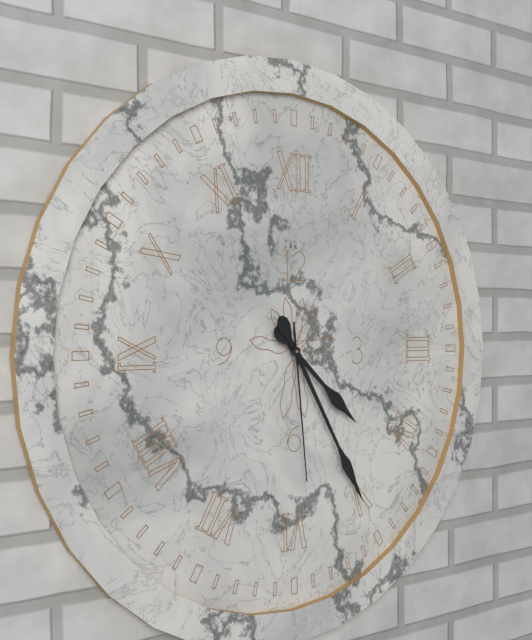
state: 4:25:29
